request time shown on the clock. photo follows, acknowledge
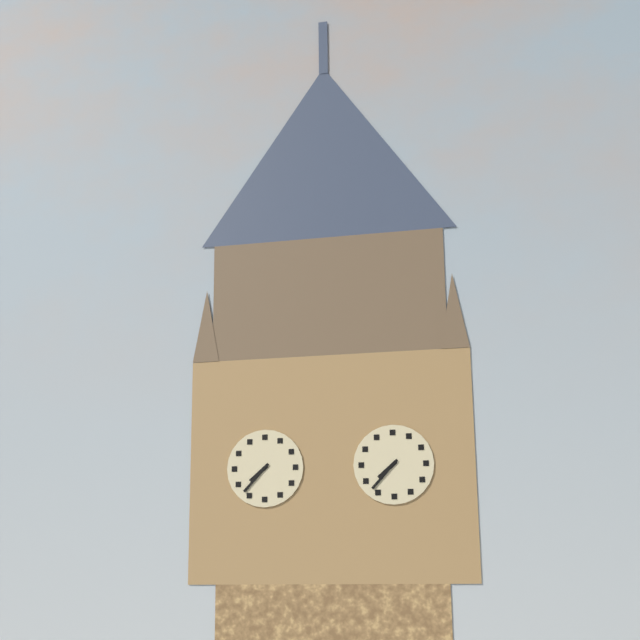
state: 7:37
